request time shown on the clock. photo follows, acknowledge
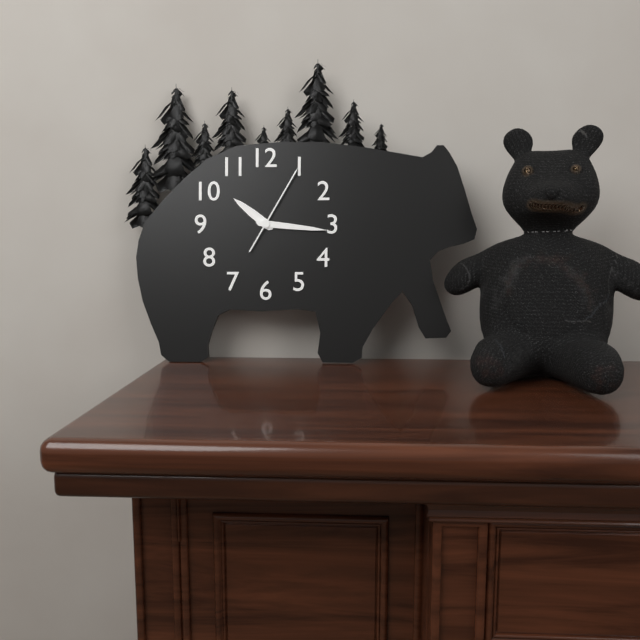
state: 10:16:05
